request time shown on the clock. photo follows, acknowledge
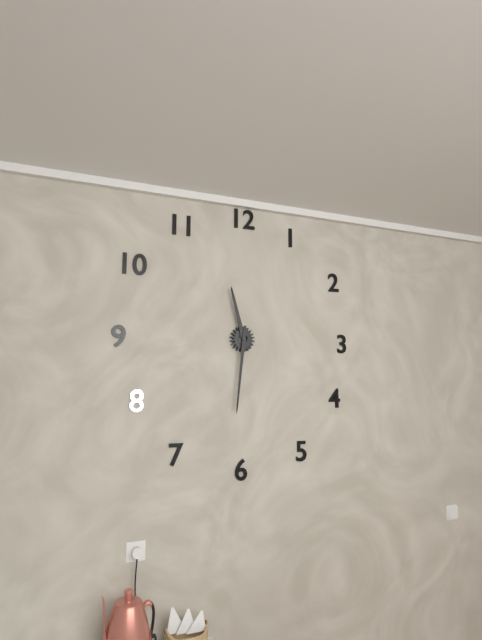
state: 11:31
